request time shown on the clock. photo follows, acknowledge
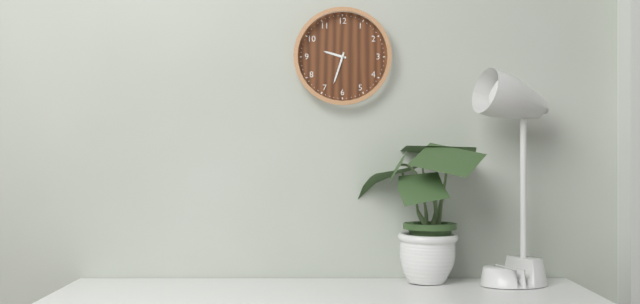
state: 9:33
